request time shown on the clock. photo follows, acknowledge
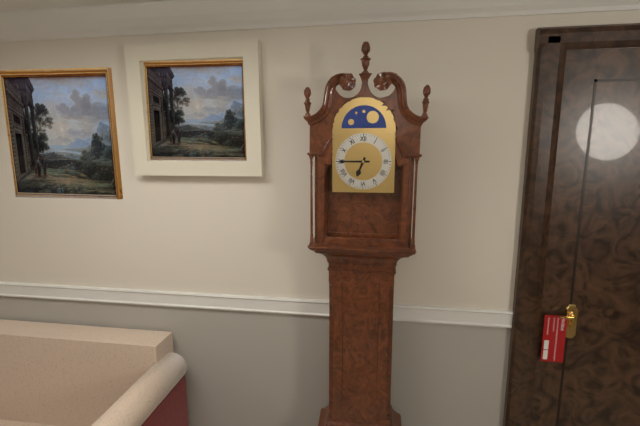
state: 6:45
